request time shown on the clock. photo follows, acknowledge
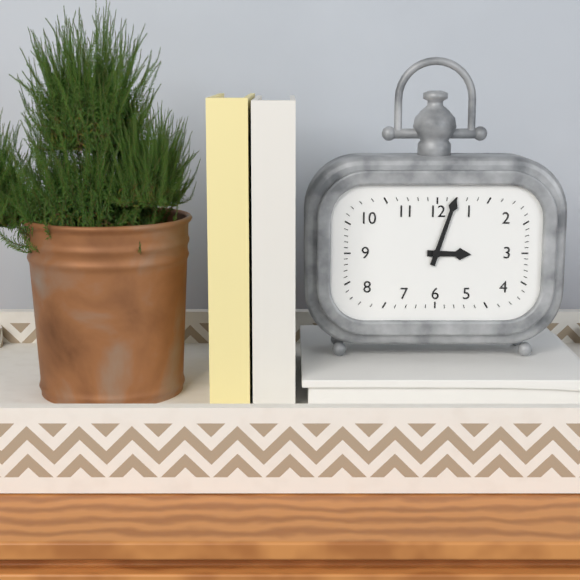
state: 3:03
